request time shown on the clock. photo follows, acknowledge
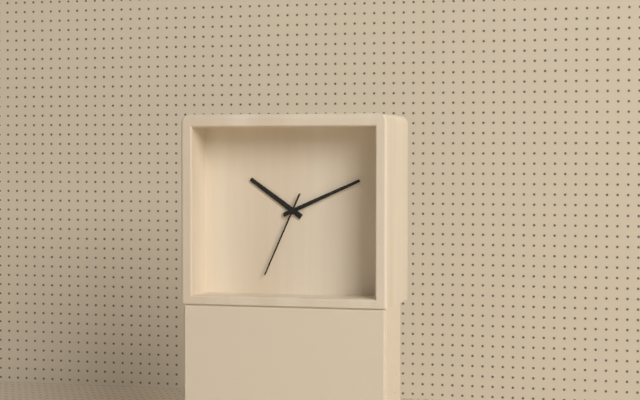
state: 10:11:34
